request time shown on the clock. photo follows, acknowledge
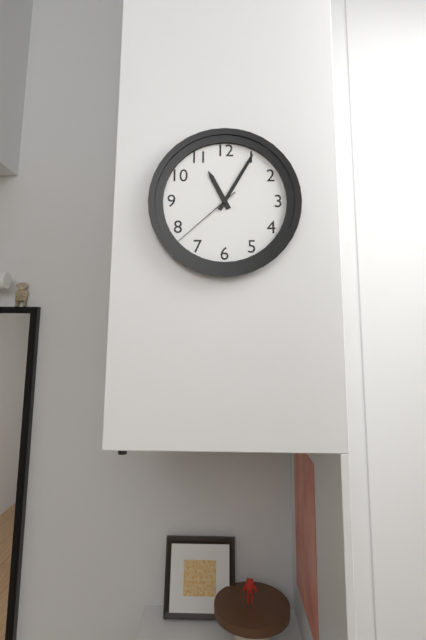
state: 11:05:38
